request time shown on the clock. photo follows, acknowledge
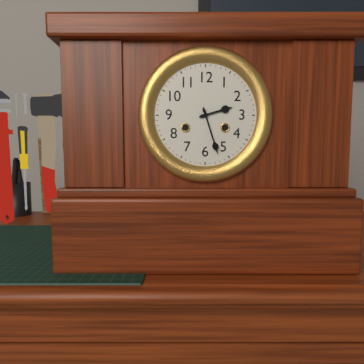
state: 2:27
